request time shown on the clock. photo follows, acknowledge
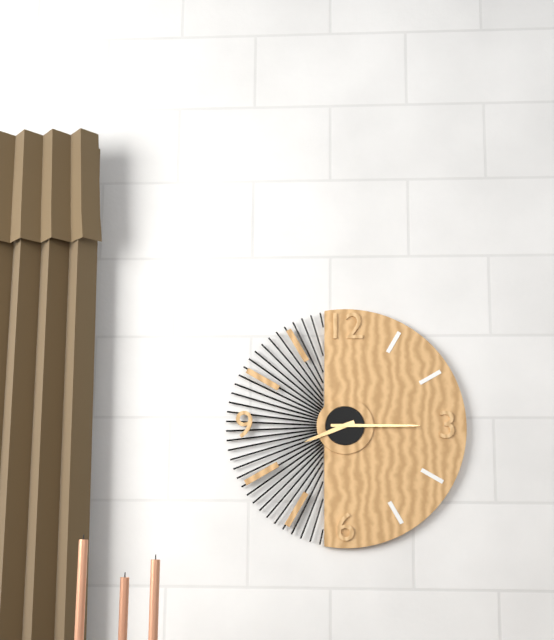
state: 8:15
